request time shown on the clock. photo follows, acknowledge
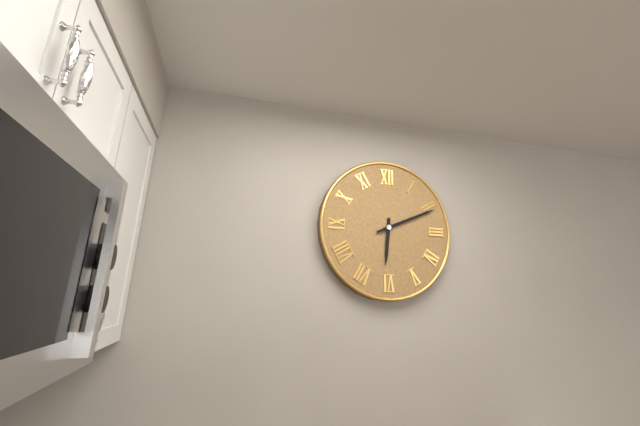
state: 6:11
